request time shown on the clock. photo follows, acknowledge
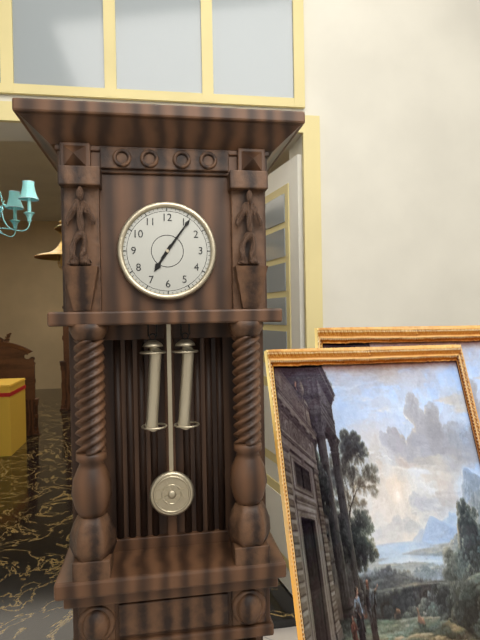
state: 7:06
